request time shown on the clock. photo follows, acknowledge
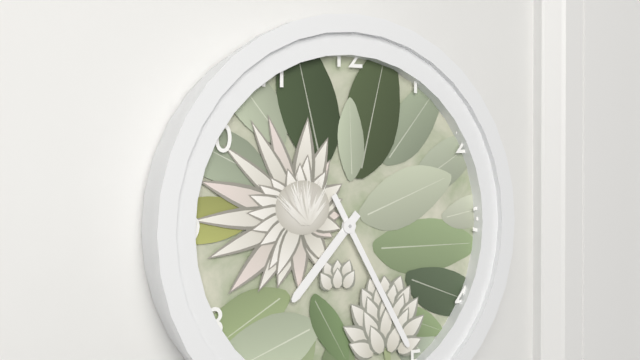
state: 7:25
